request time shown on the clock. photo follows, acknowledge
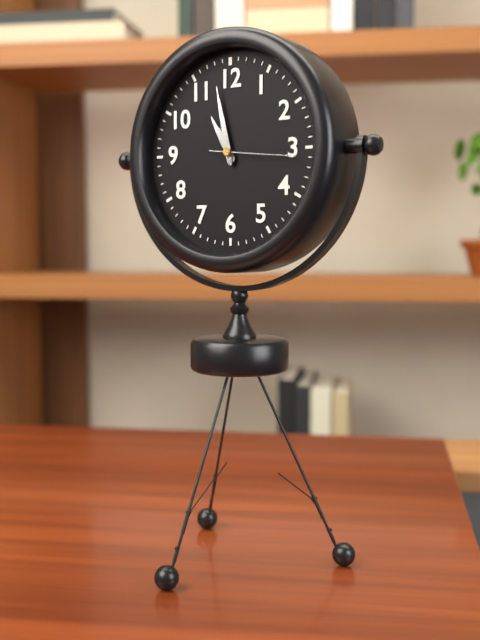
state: 10:58:16
